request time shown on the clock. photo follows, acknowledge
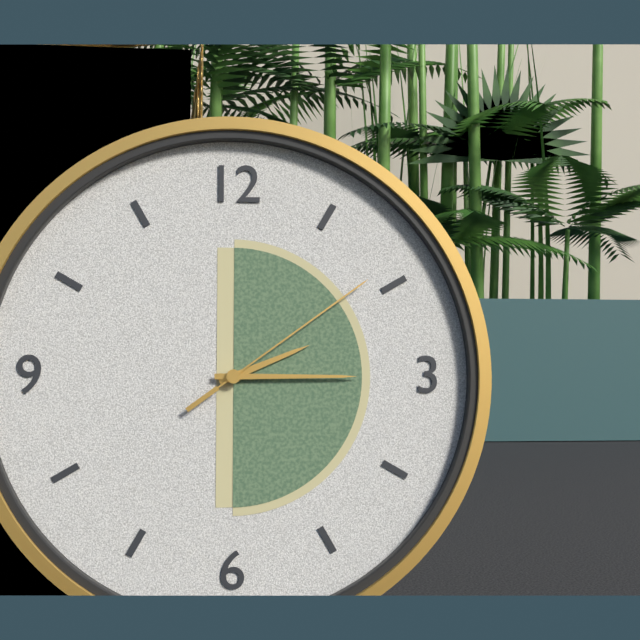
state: 2:15:09
